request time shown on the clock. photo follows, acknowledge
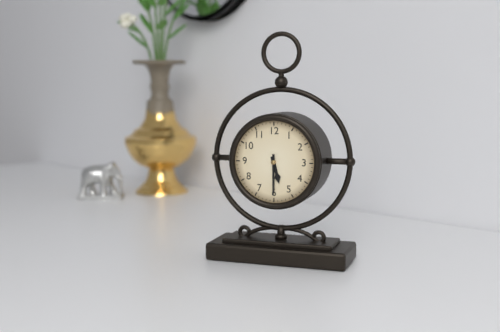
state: 5:30
